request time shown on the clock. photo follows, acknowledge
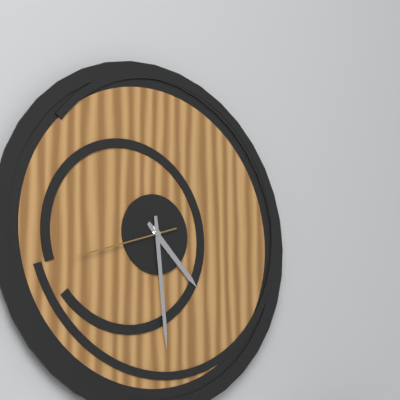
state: 4:29:42
